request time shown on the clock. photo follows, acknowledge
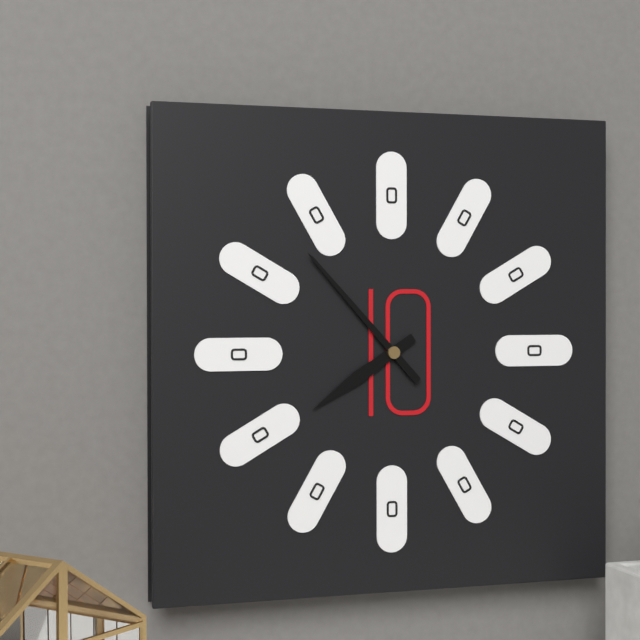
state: 7:53
